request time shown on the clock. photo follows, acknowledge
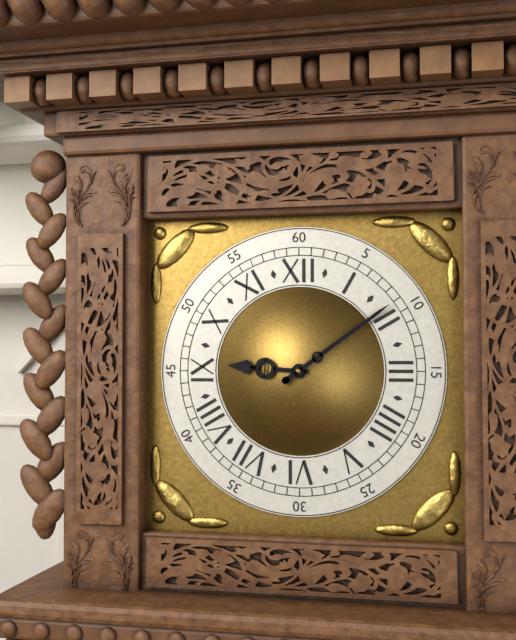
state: 9:09
